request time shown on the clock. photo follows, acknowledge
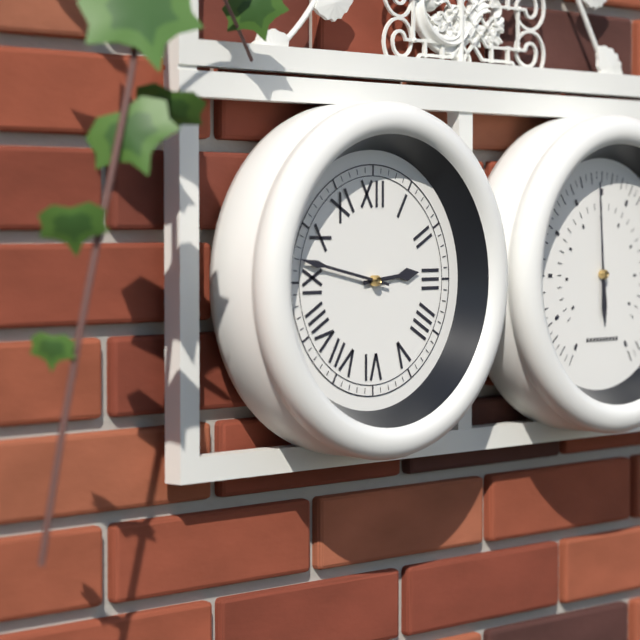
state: 2:47
